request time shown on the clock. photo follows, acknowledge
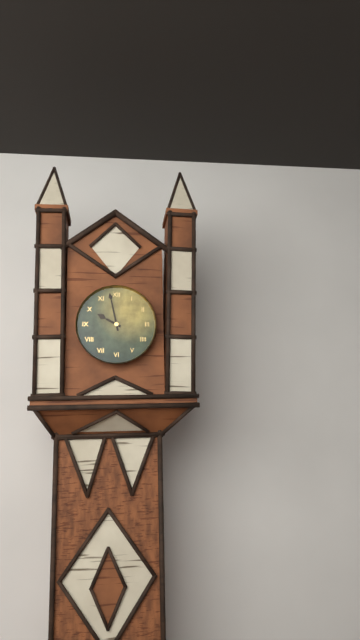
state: 9:58
